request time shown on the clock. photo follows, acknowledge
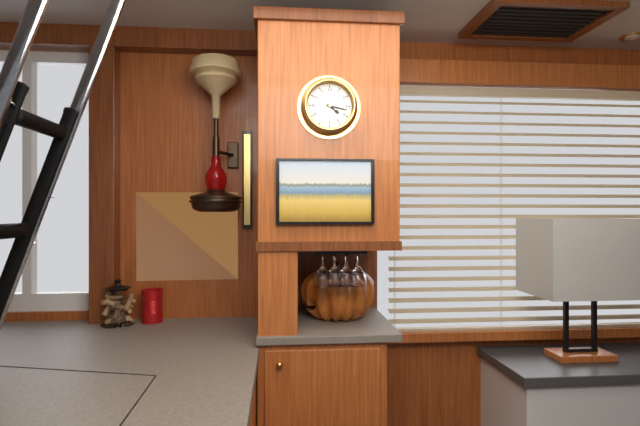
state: 4:17
